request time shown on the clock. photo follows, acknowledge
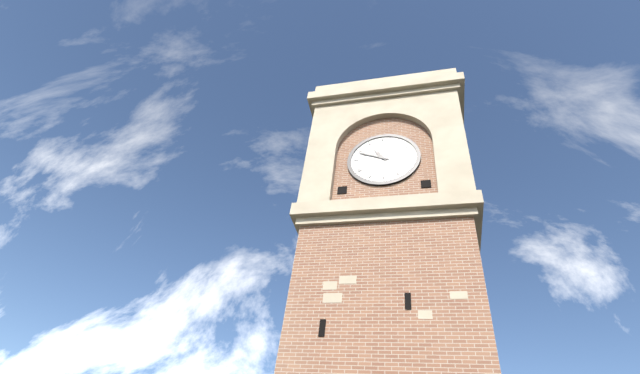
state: 10:49
